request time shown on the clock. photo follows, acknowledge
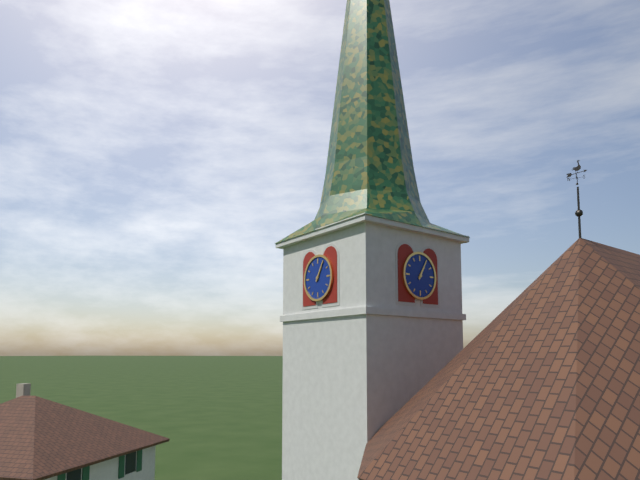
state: 1:05
